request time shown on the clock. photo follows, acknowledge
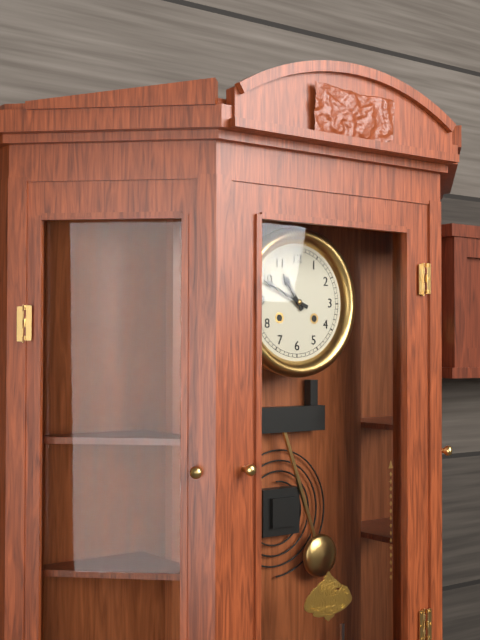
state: 10:49
